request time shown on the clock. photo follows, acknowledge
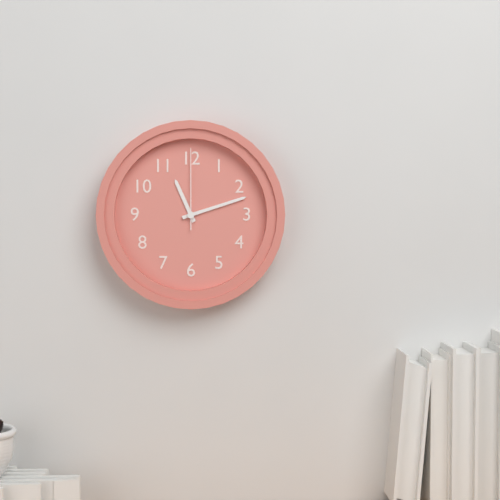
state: 11:12:00
